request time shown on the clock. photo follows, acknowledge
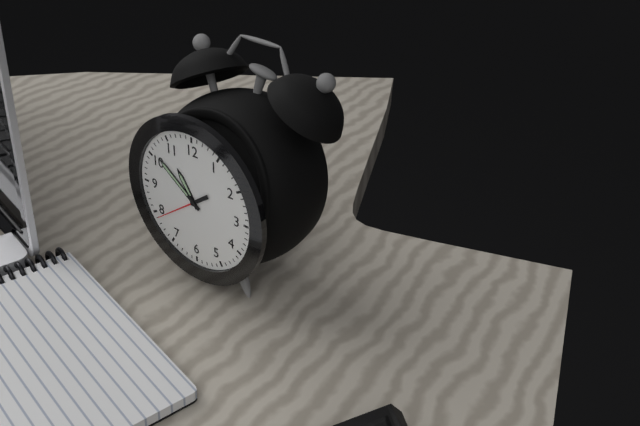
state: 10:51:39
